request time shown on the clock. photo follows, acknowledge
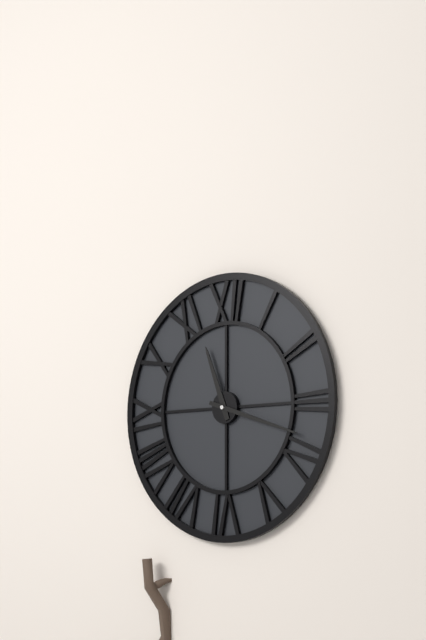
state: 11:18
